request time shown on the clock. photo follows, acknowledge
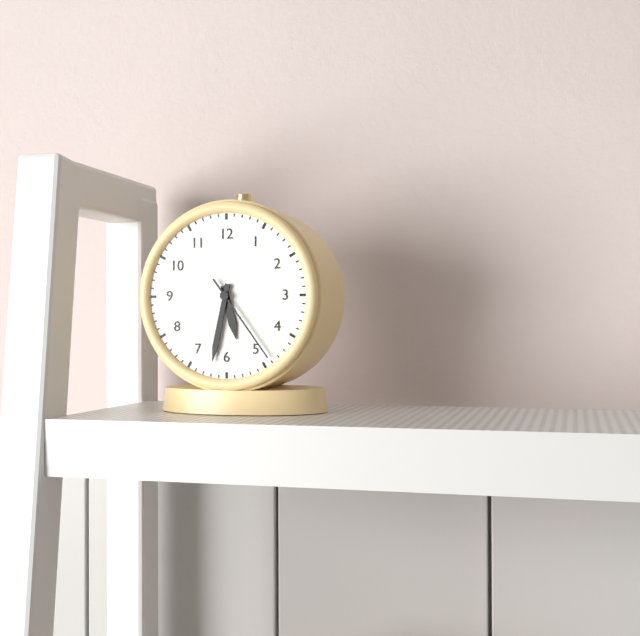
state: 5:32:24
